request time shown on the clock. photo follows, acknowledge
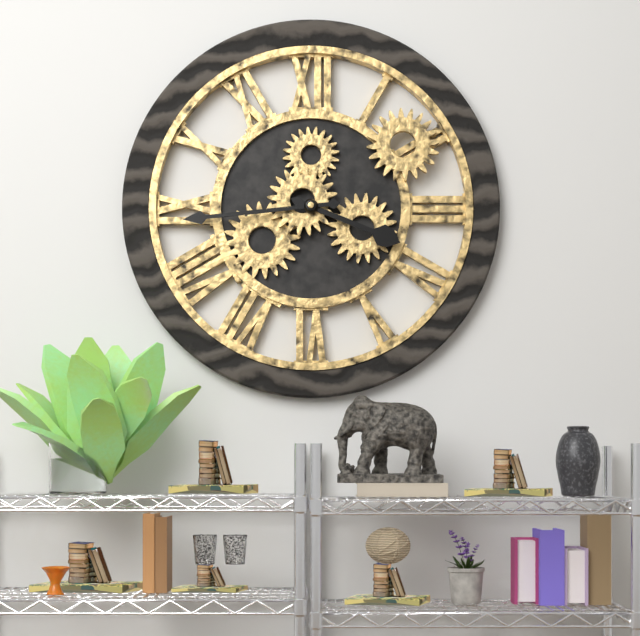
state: 3:44
